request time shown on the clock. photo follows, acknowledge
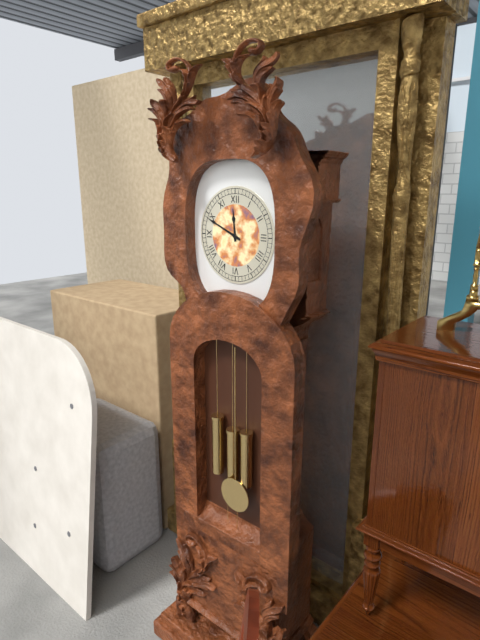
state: 11:49
